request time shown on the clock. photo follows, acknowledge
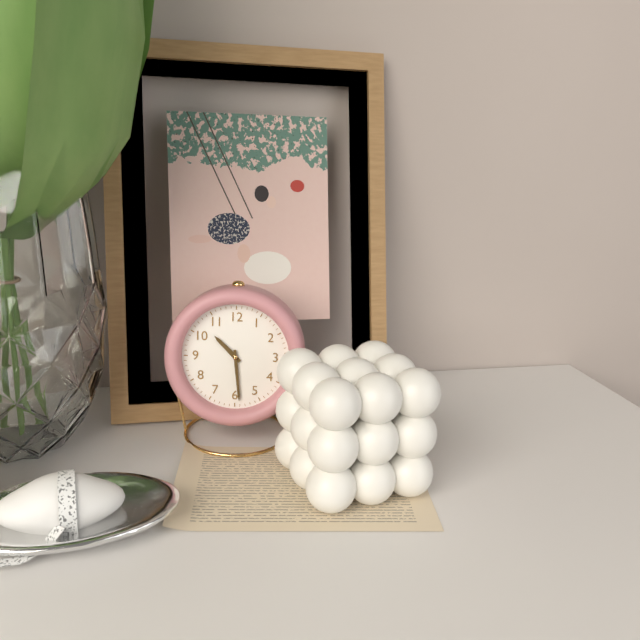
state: 10:29
